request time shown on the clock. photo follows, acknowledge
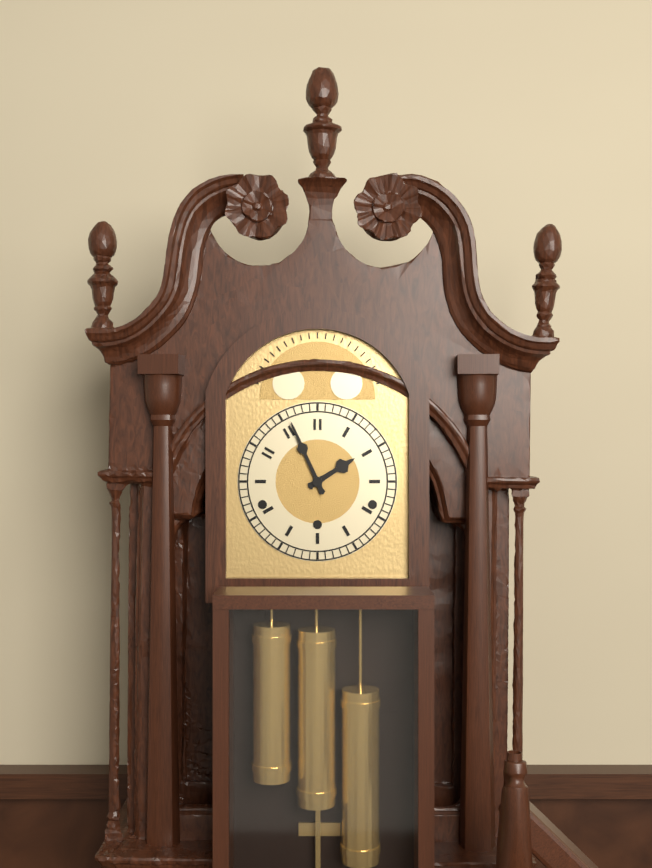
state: 1:56
